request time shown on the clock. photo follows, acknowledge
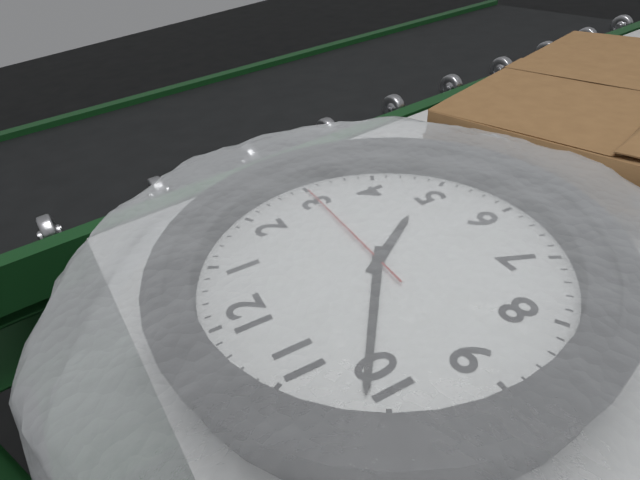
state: 4:51:15
